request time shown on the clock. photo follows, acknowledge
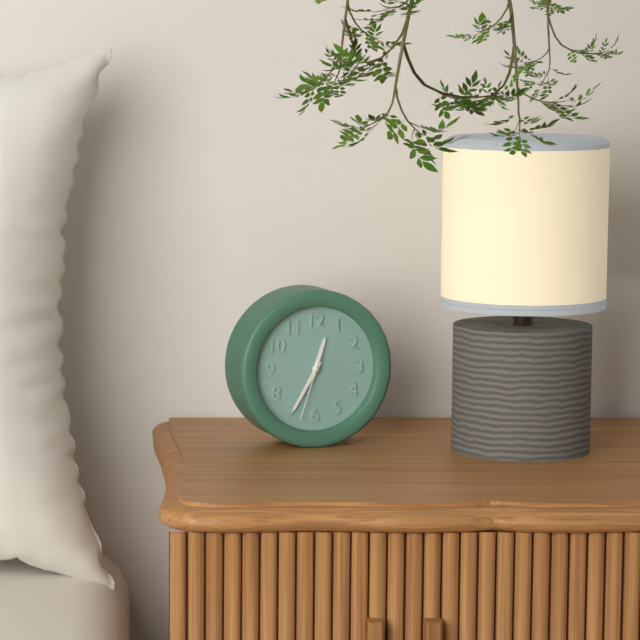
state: 12:35:33
